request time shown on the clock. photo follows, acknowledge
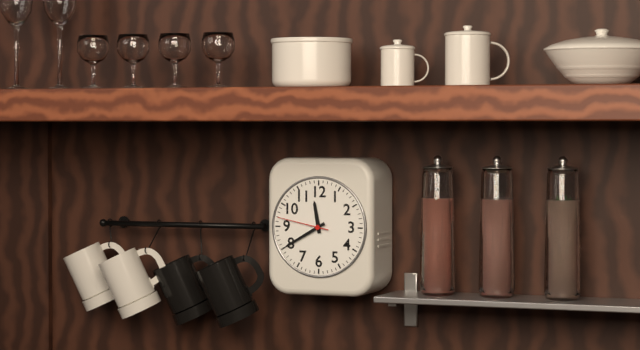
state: 11:40:47
